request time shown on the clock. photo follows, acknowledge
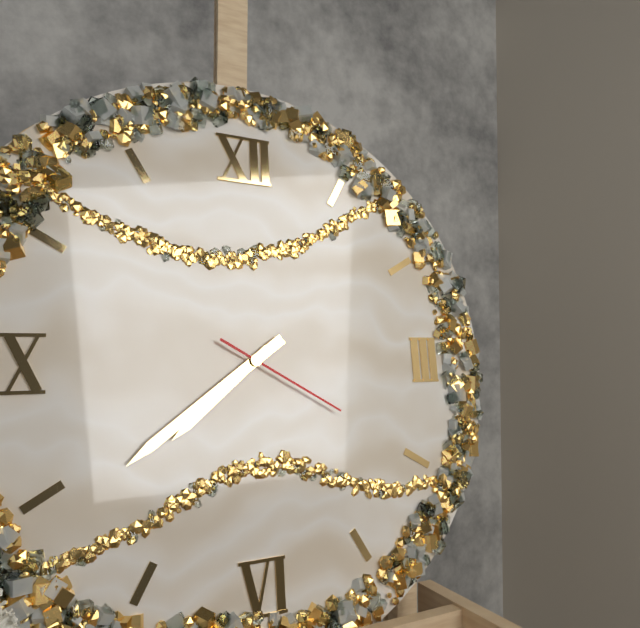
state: 7:39:20
